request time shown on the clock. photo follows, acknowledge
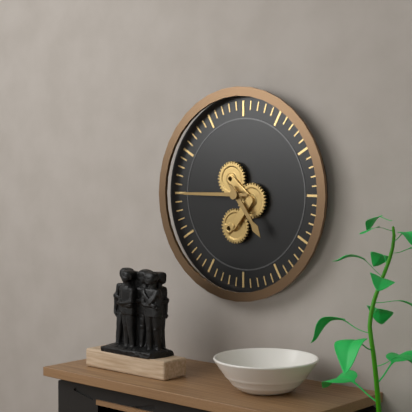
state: 4:45
